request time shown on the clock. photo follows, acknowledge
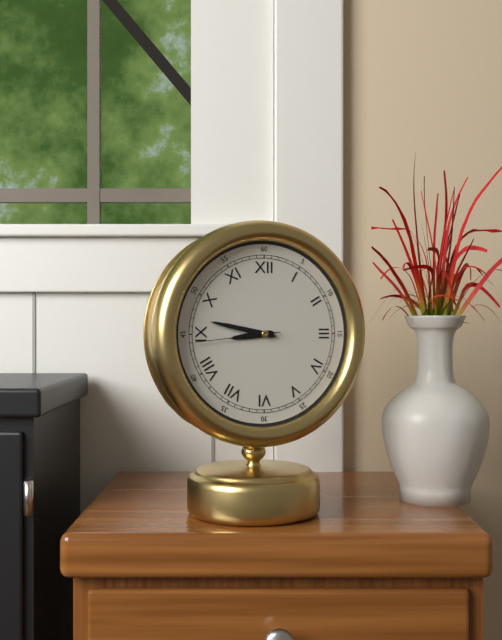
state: 8:47:44
